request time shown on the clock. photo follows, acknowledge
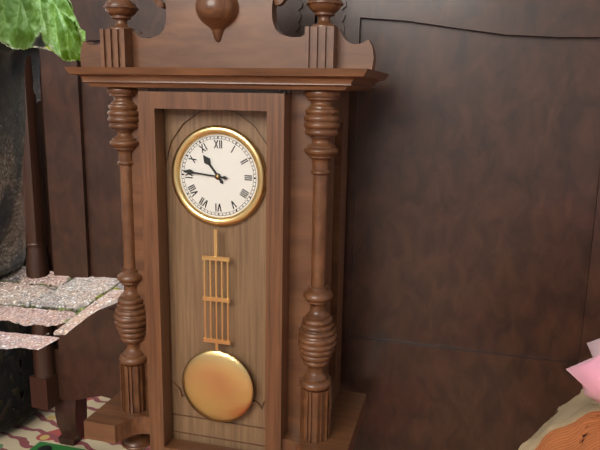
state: 10:46
